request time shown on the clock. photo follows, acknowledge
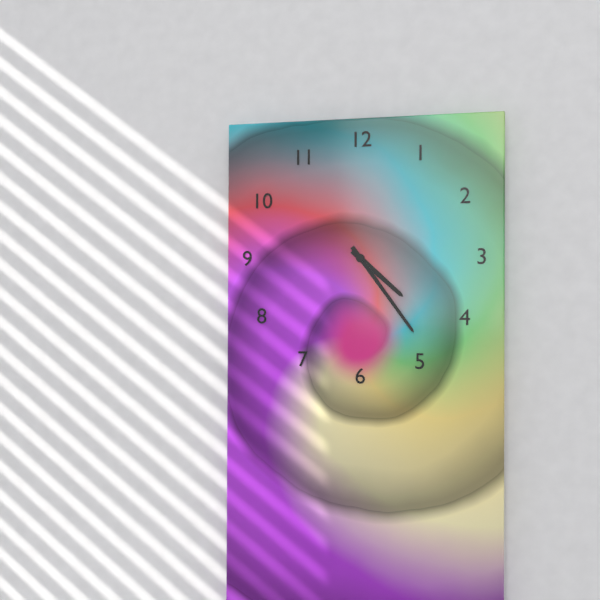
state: 4:24
